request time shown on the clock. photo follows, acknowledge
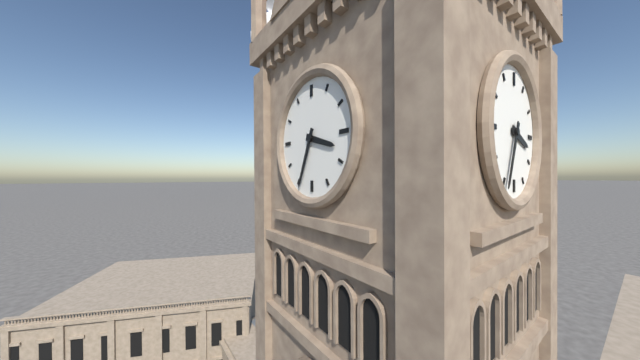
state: 3:34
